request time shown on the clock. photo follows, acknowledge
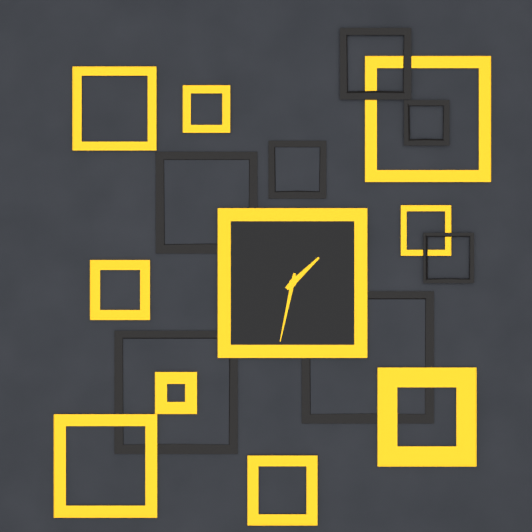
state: 1:32
